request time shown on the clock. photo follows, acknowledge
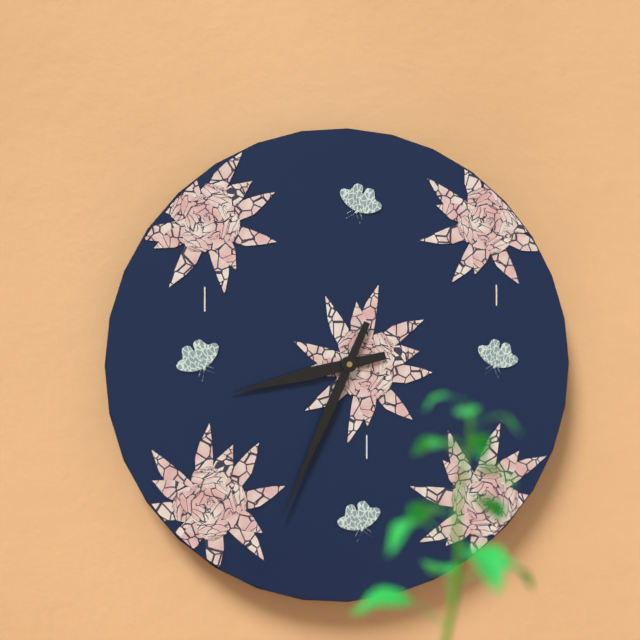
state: 8:34
